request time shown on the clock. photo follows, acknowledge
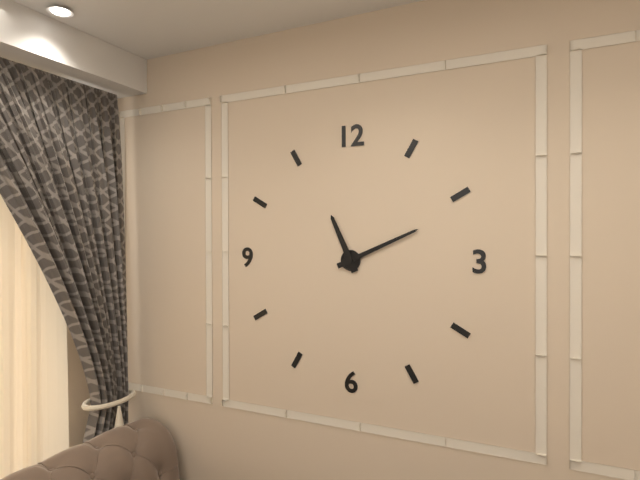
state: 11:11
